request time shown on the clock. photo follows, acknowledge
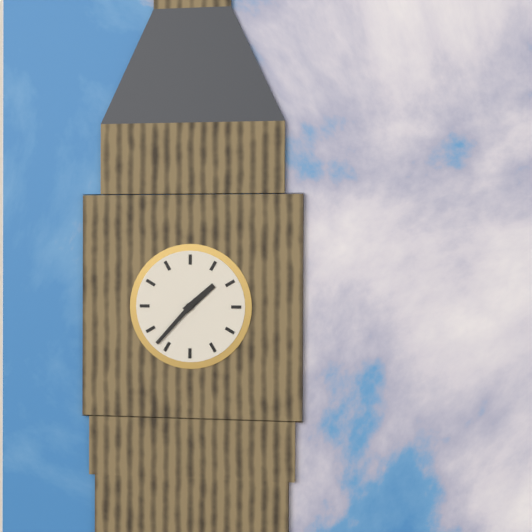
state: 1:37
